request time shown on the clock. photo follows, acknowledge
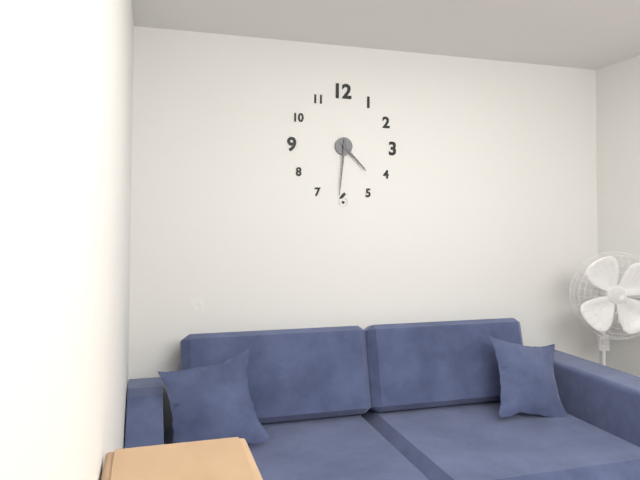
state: 4:31
